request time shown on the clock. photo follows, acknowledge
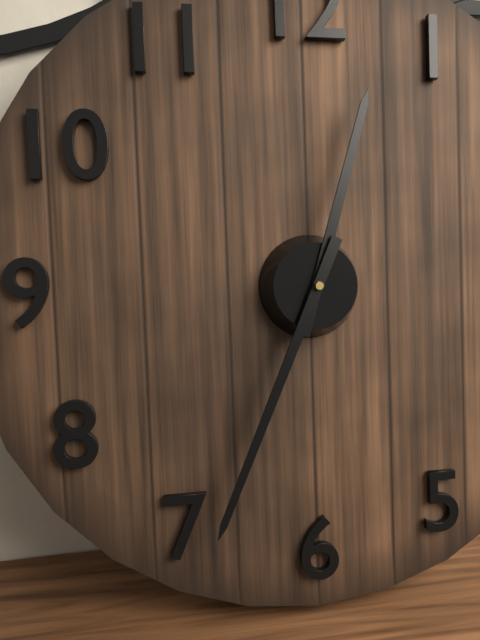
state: 12:34
